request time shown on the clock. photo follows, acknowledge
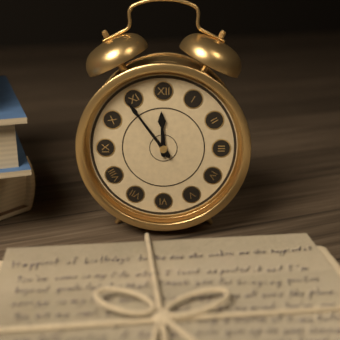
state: 11:54
